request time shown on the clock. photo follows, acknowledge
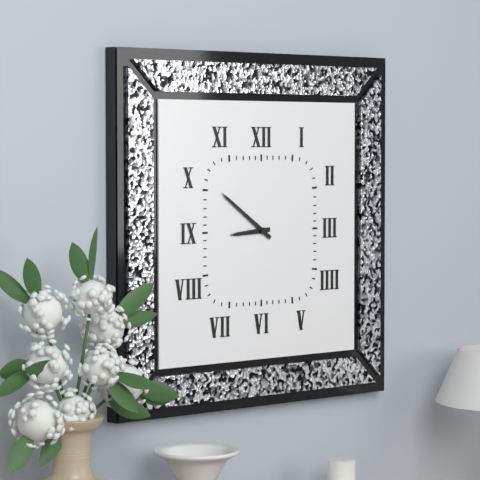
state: 8:51
